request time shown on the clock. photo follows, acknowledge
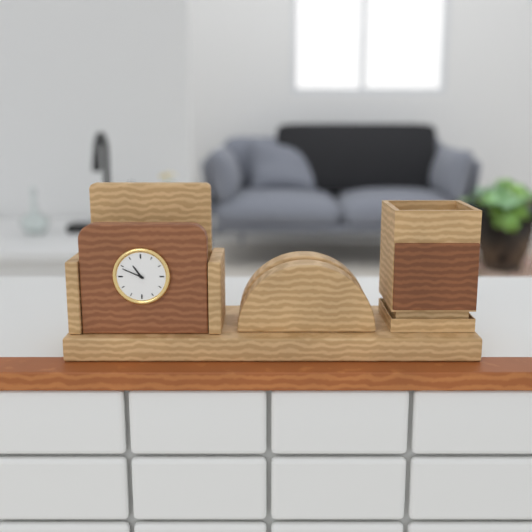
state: 10:49
